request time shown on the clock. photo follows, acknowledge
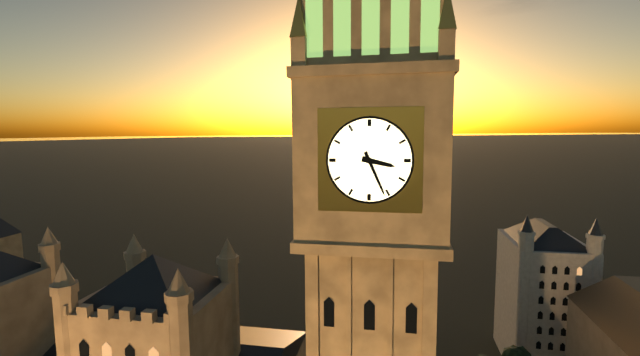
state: 3:26
